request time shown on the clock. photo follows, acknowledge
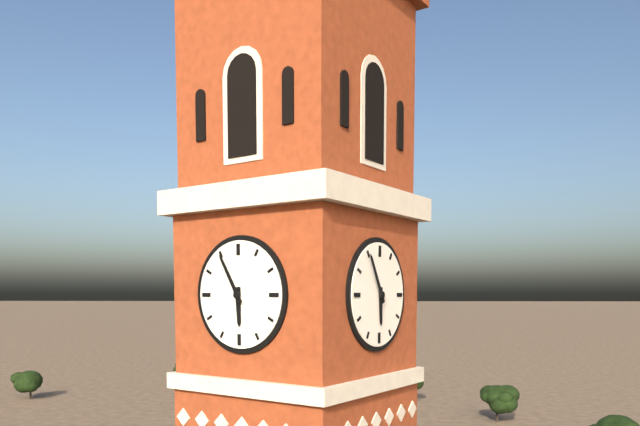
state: 5:55
